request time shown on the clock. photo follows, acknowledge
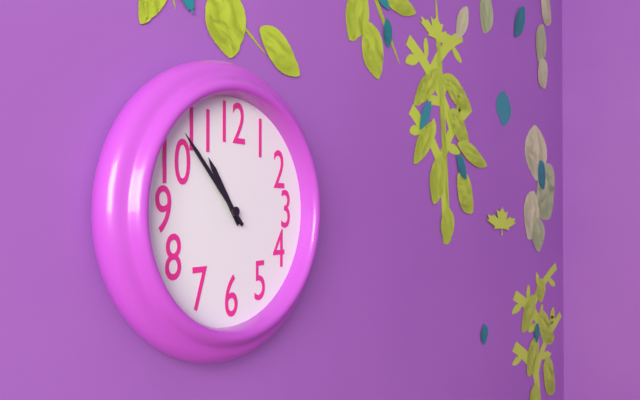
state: 10:53
